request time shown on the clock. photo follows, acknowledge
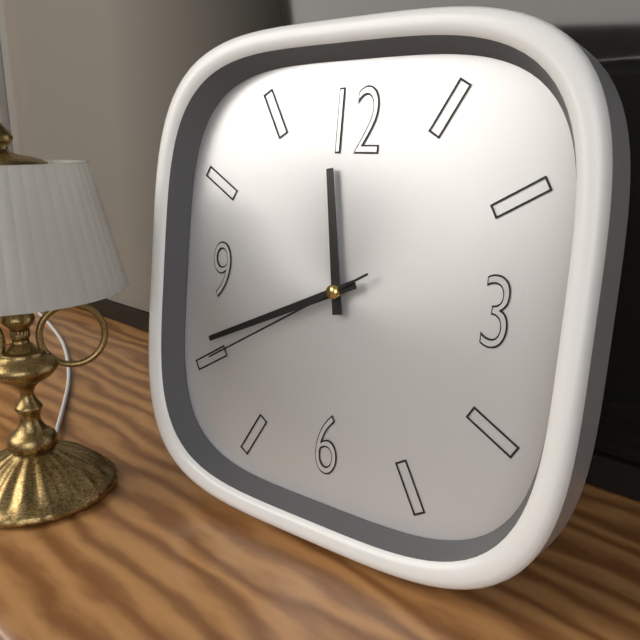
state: 11:41:40
